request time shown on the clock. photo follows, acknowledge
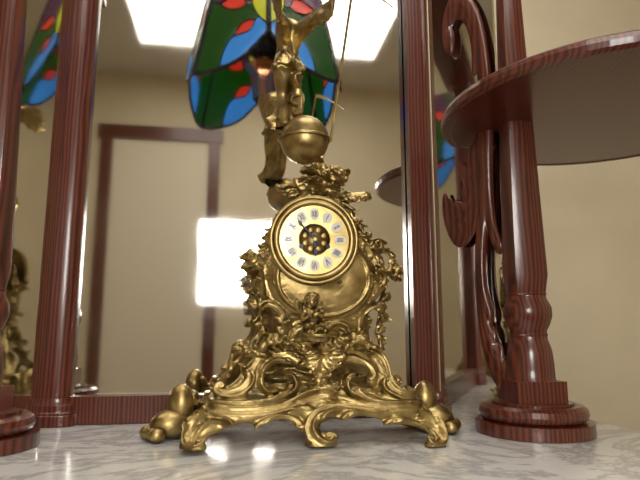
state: 5:53
